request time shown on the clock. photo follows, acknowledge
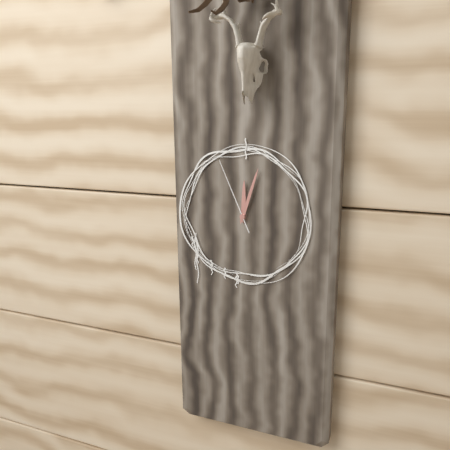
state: 12:03:56
